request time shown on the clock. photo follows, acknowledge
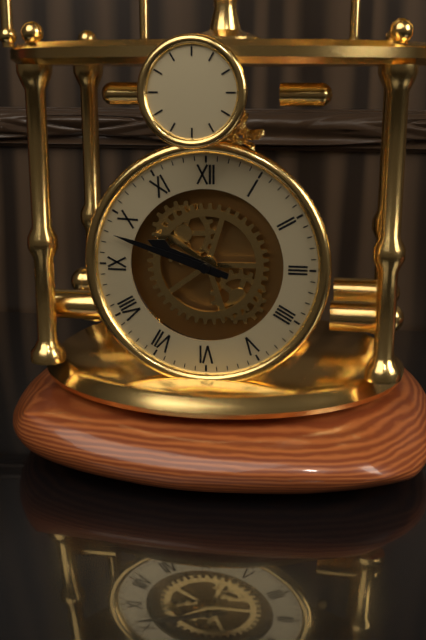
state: 9:48
